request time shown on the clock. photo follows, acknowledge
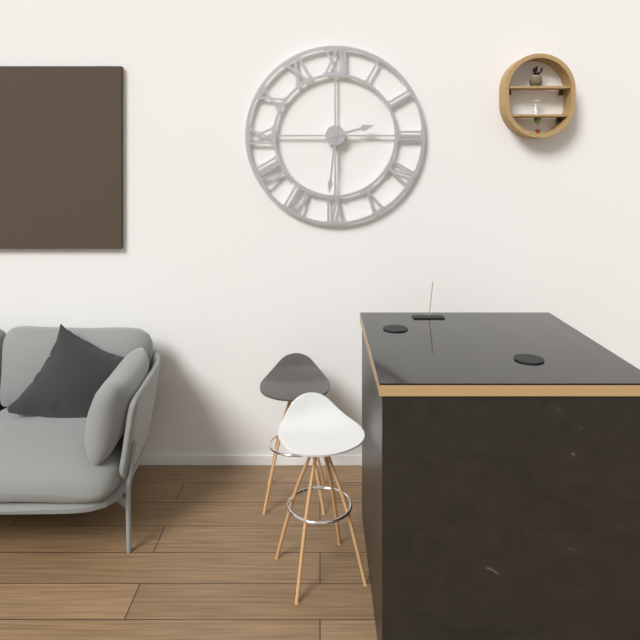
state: 2:31
